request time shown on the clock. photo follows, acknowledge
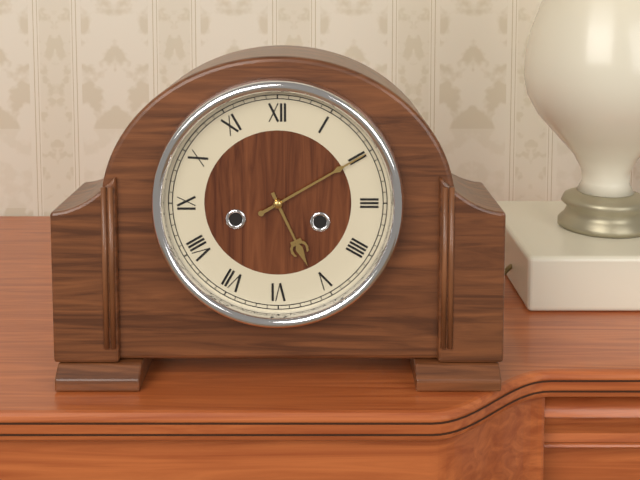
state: 5:10
